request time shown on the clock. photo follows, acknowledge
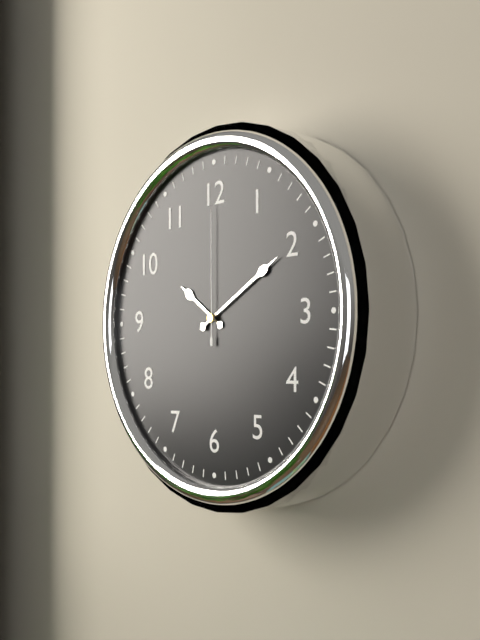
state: 10:10:00
